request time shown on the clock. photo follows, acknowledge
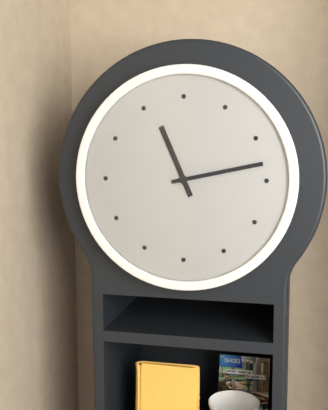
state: 11:13
